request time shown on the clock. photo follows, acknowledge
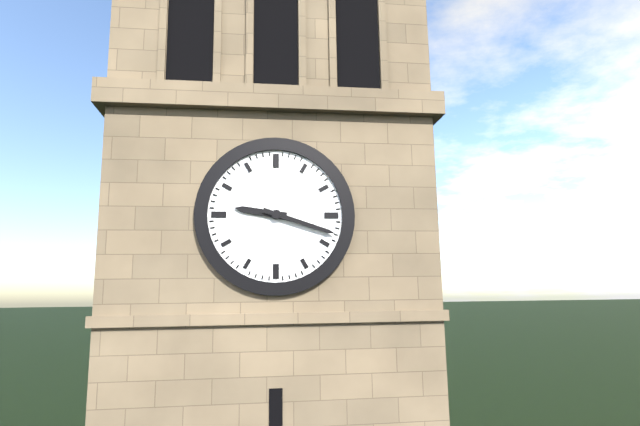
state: 9:18
